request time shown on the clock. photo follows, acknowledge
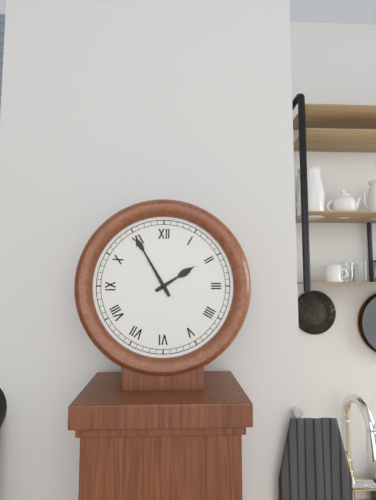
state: 1:55
